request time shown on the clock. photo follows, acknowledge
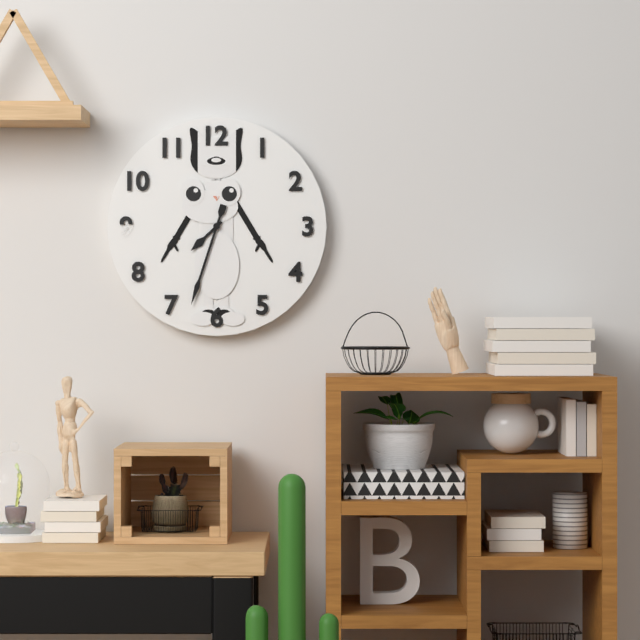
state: 7:33
